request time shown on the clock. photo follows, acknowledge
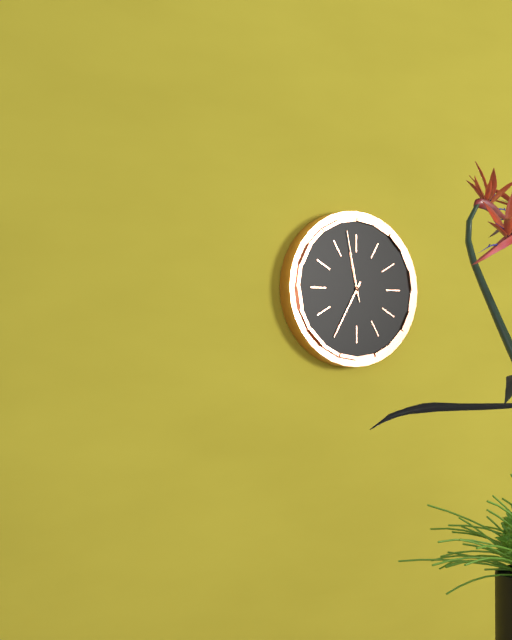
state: 11:35:58
